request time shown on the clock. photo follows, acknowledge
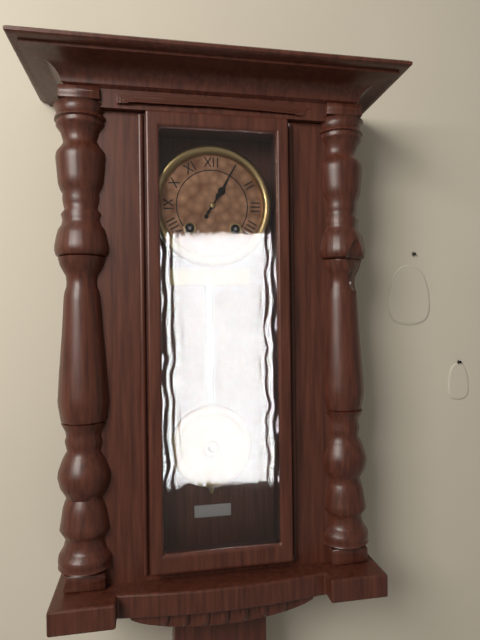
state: 1:05
